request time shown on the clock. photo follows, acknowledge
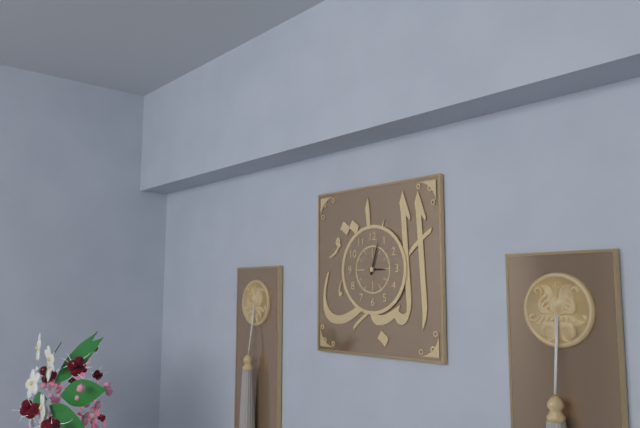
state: 3:03
